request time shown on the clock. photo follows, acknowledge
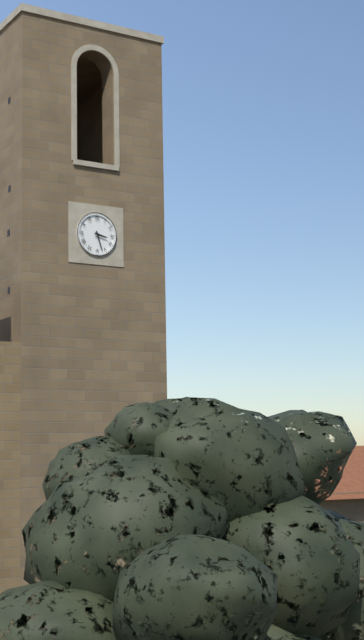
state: 3:27
